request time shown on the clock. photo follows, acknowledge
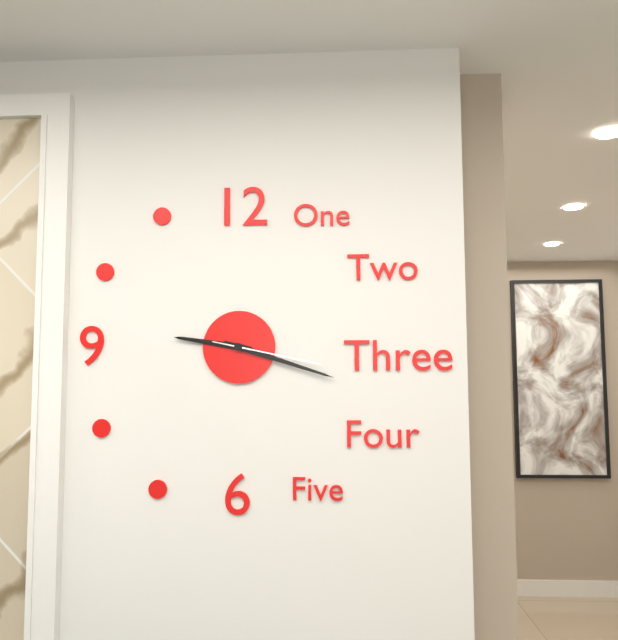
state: 9:18:17
